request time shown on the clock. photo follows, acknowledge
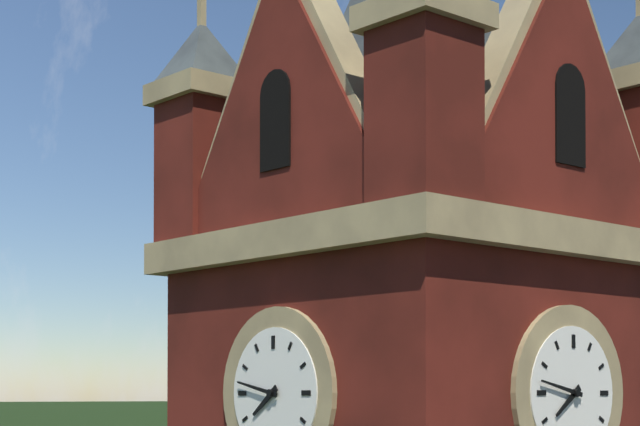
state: 7:47
